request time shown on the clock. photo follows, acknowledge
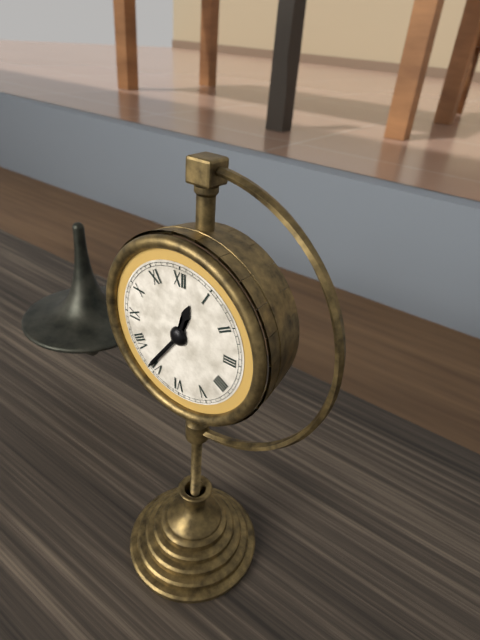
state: 12:36
